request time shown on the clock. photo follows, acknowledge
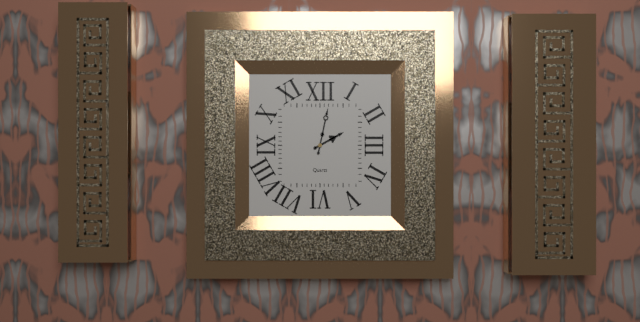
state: 2:02
